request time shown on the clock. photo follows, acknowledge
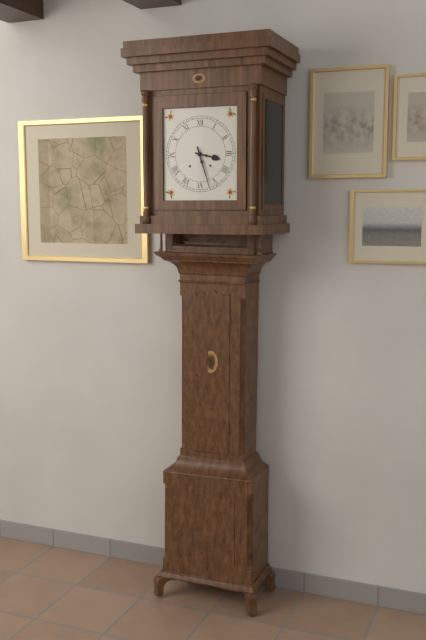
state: 3:27
